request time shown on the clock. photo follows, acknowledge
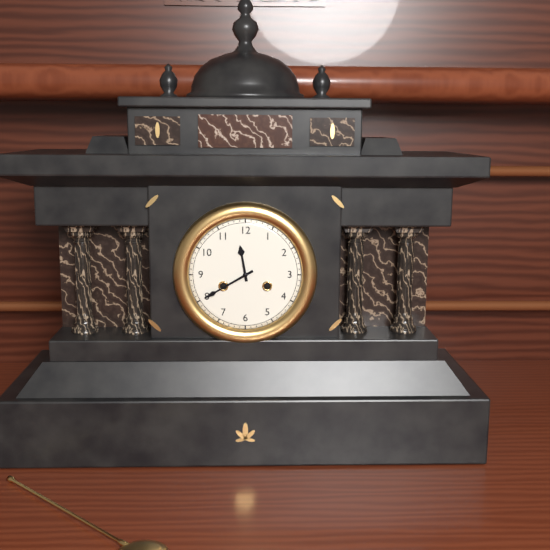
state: 11:40
